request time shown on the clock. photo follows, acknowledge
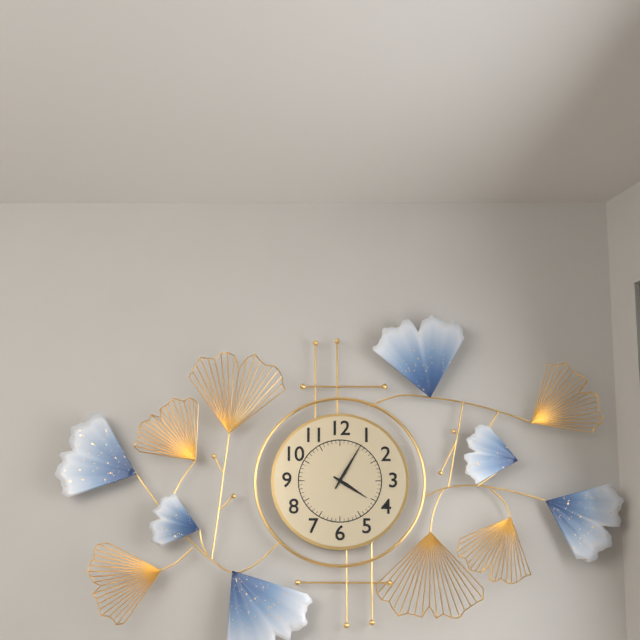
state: 4:05
